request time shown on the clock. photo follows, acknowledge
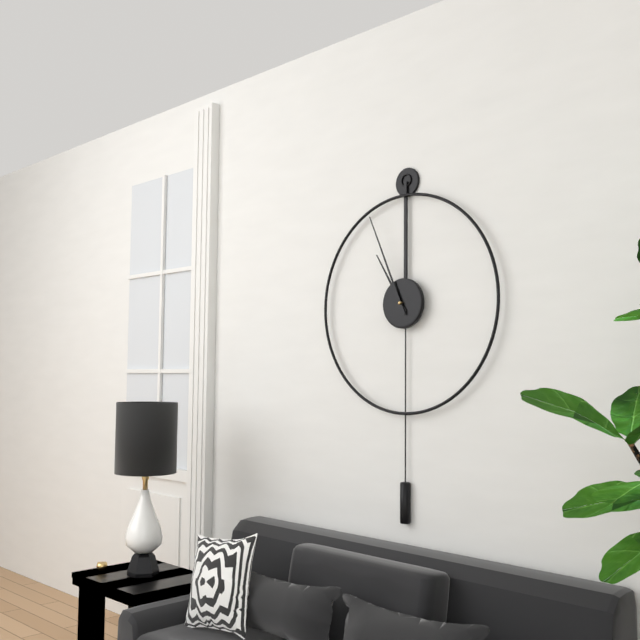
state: 10:56
